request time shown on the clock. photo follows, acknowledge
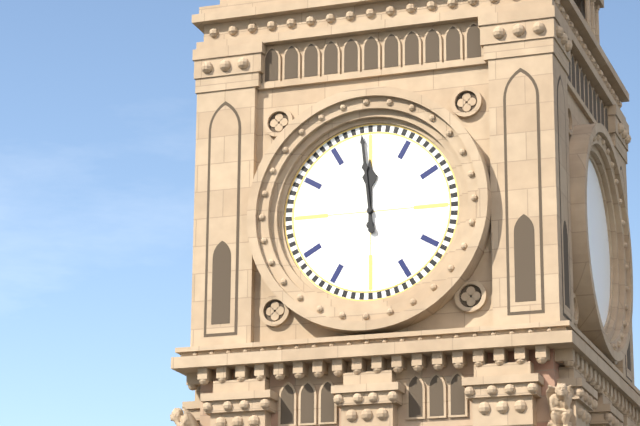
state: 11:59
